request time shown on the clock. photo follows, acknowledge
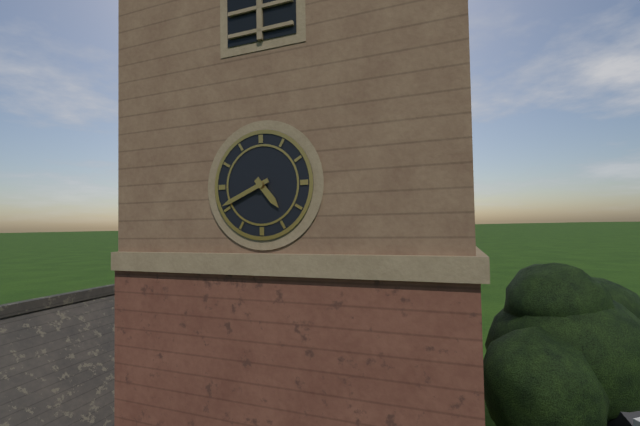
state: 4:41
